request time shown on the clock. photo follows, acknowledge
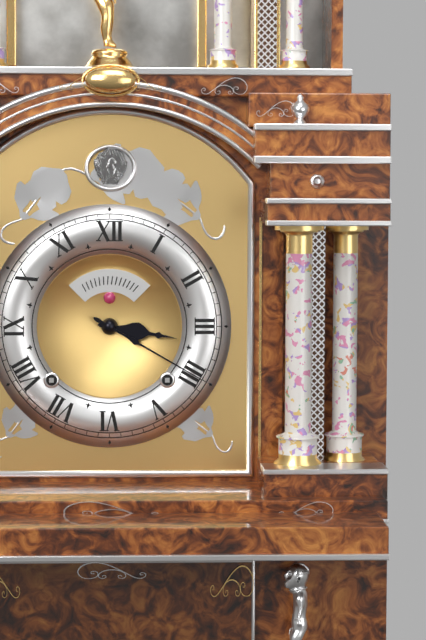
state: 3:20
